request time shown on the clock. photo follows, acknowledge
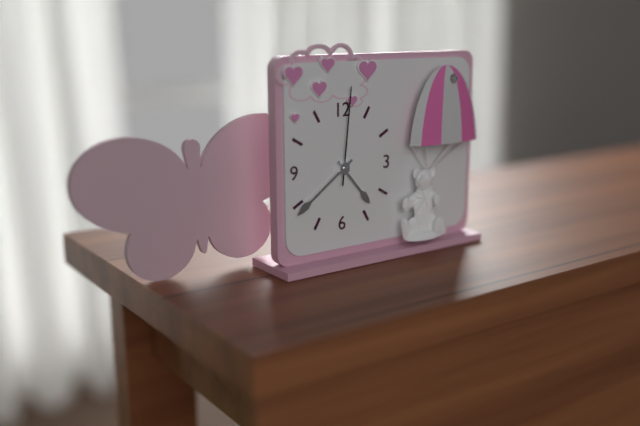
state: 4:39:01
